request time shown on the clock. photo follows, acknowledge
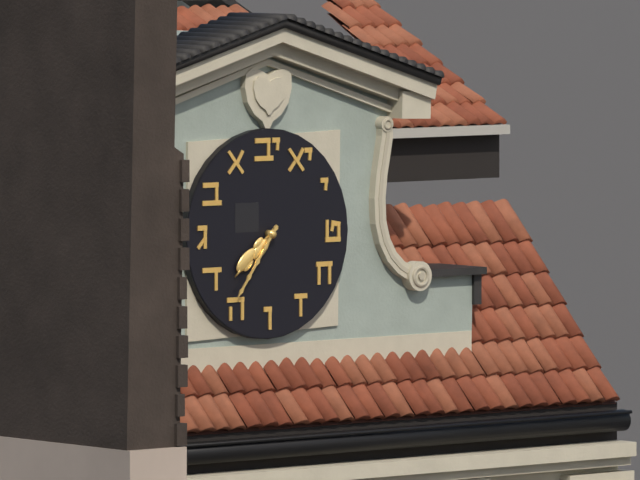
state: 7:36
